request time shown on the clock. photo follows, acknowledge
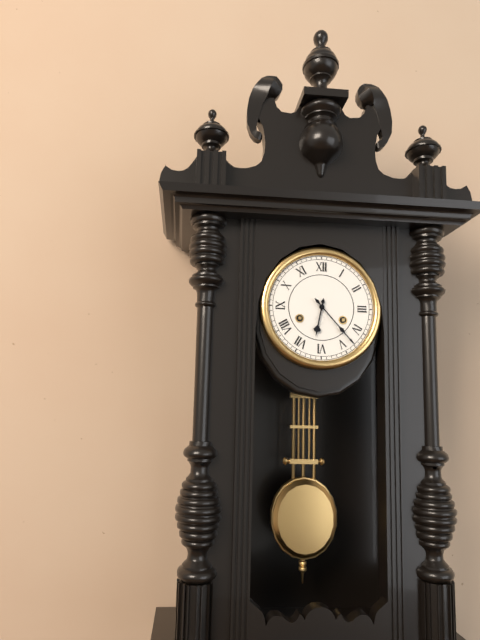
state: 6:23
